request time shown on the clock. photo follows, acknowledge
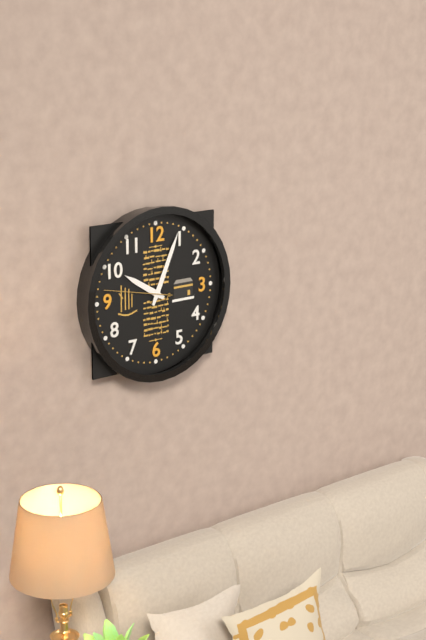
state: 10:04:47
